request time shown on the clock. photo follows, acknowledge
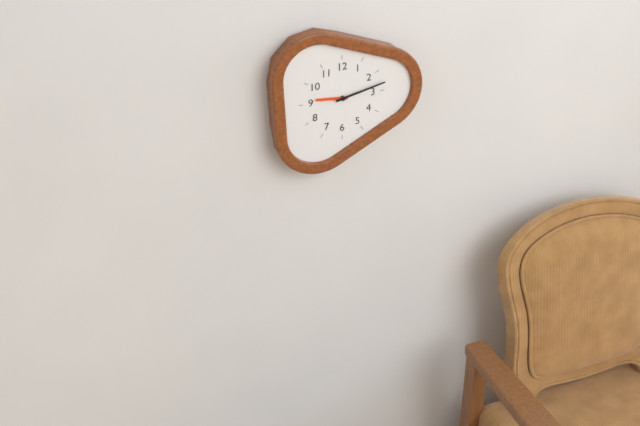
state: 9:13
